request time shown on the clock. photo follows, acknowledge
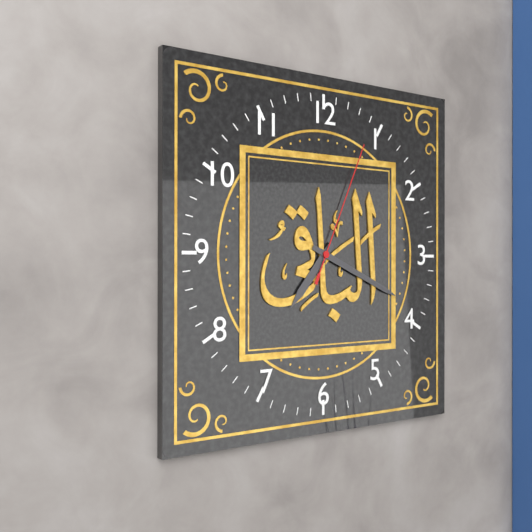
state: 7:19:04
